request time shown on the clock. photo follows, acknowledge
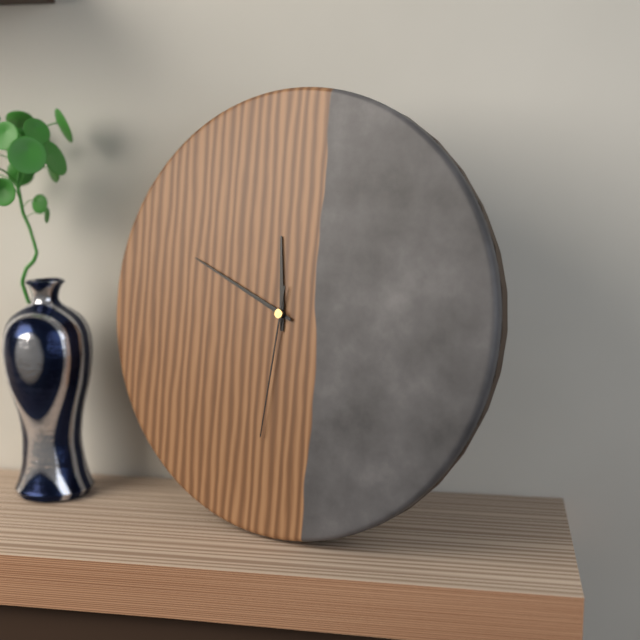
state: 11:49:31
